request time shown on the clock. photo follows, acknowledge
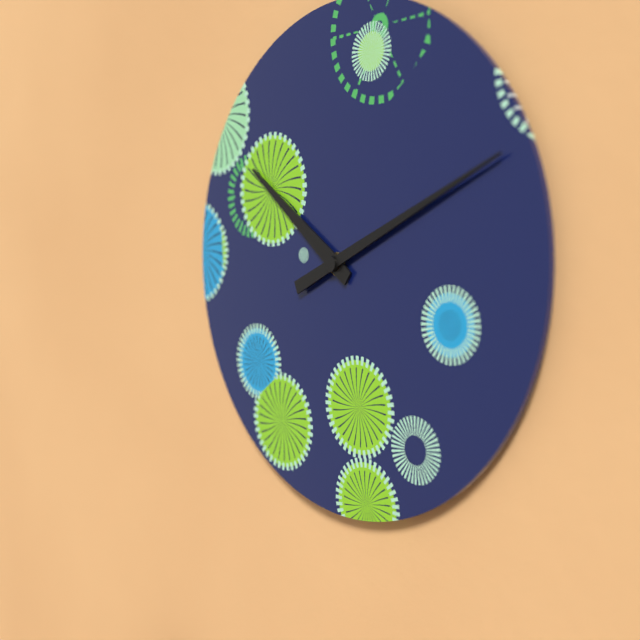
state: 10:11
